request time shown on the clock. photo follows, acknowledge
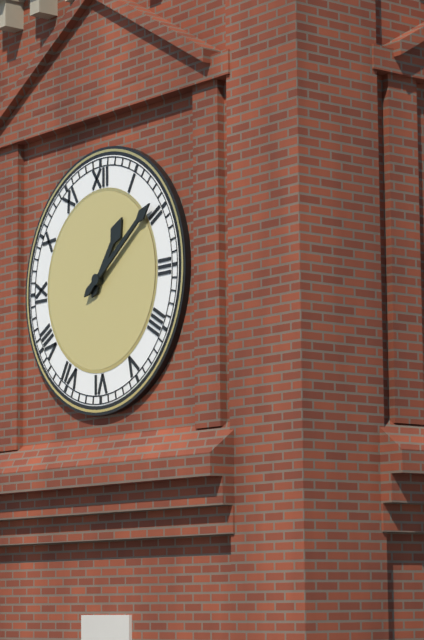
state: 1:09
